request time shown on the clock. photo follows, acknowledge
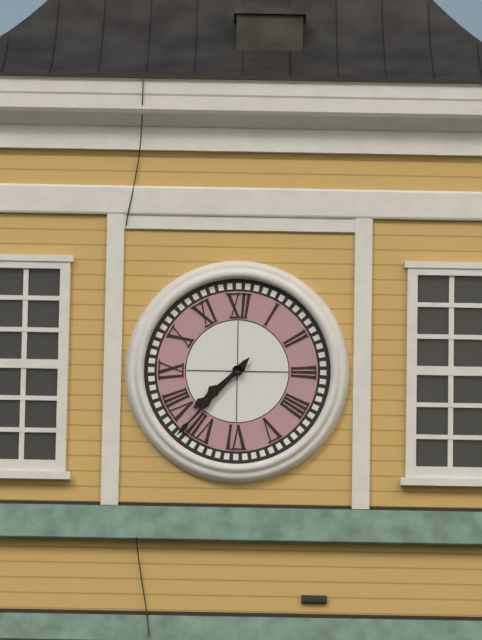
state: 7:37
